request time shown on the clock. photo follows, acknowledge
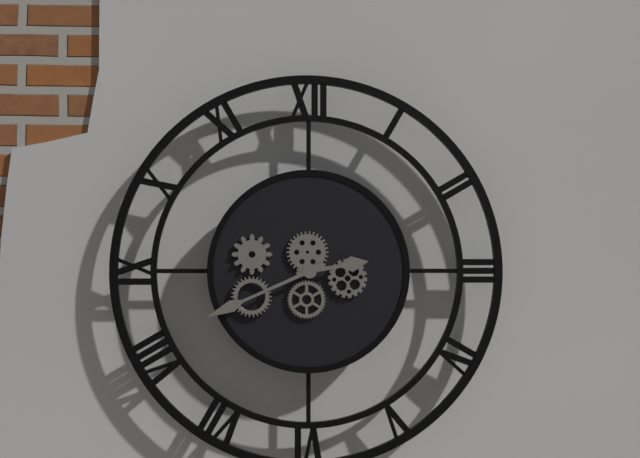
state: 2:41
